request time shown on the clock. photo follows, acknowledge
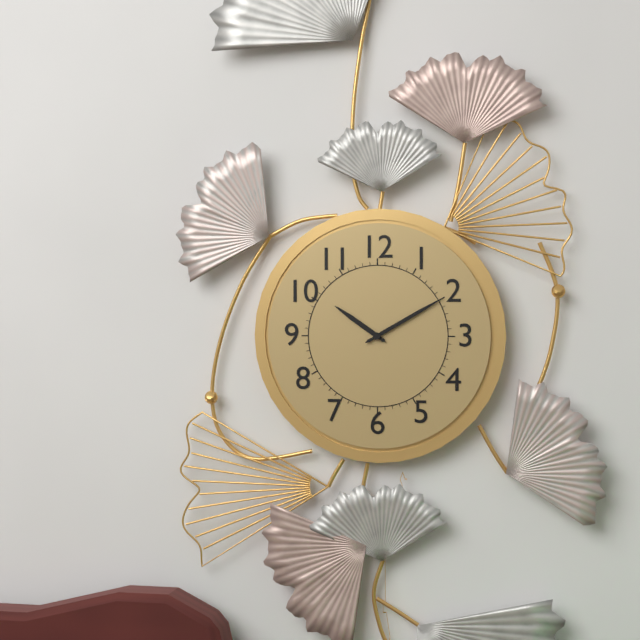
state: 10:10
